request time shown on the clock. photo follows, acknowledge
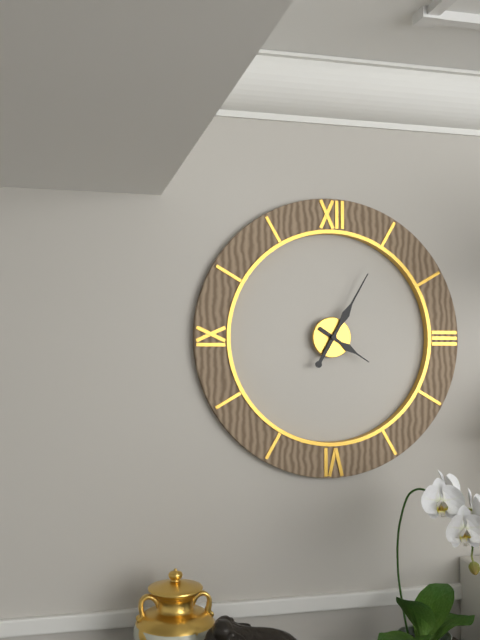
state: 4:05
